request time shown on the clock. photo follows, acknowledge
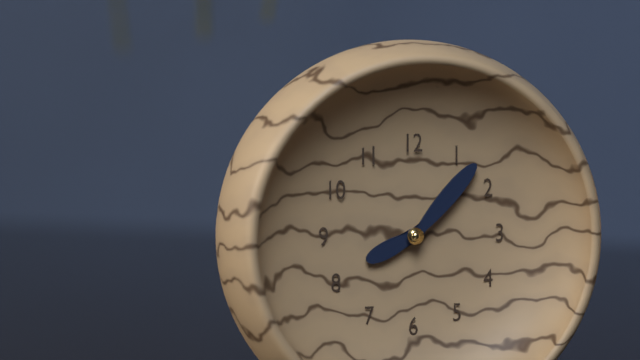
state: 8:07
